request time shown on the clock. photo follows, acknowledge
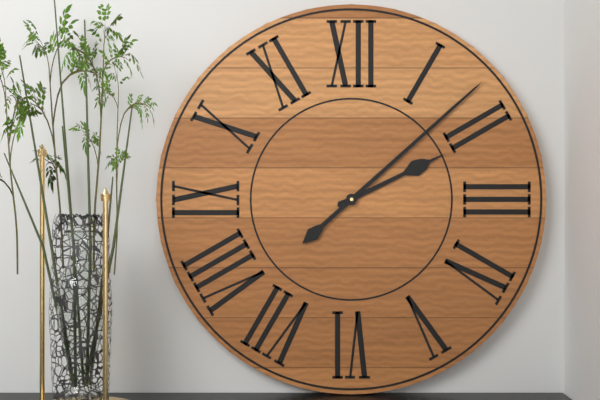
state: 2:08
